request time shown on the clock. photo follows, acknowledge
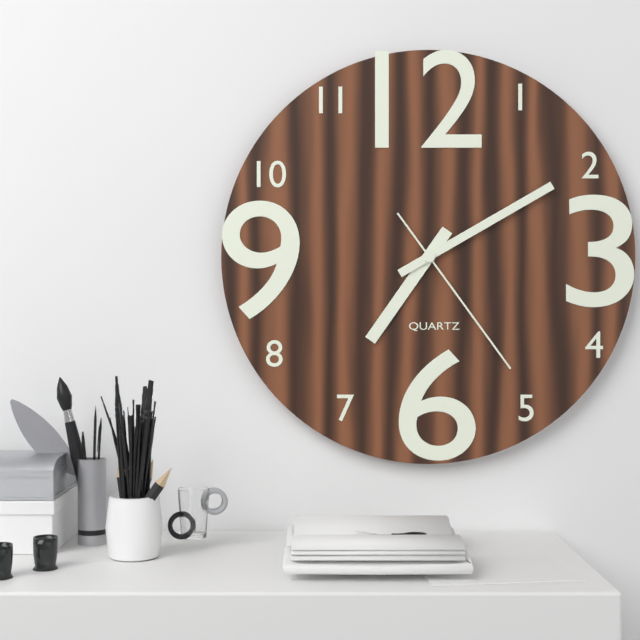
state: 7:10:24
